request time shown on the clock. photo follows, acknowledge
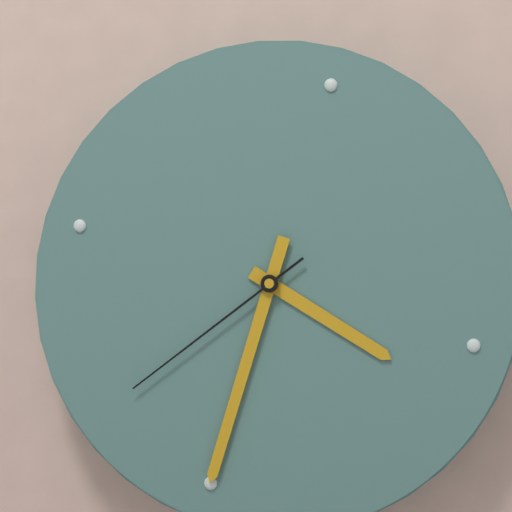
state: 3:30:36
